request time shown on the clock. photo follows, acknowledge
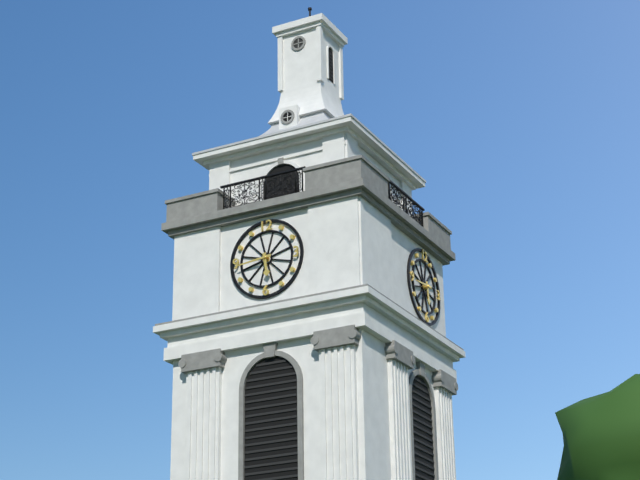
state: 5:44
